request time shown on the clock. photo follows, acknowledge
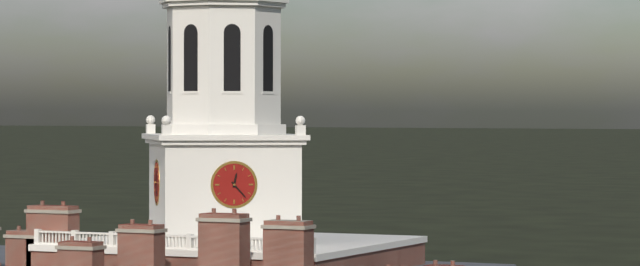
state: 12:23
